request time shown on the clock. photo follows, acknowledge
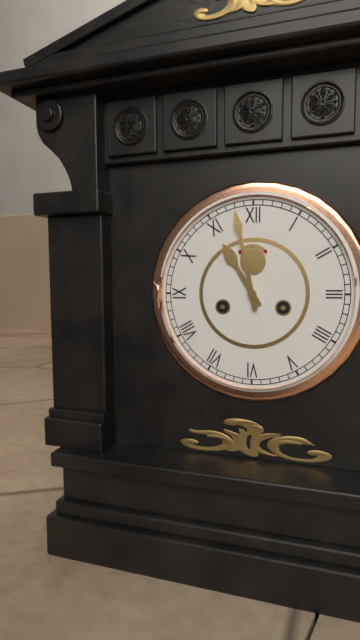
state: 10:58
